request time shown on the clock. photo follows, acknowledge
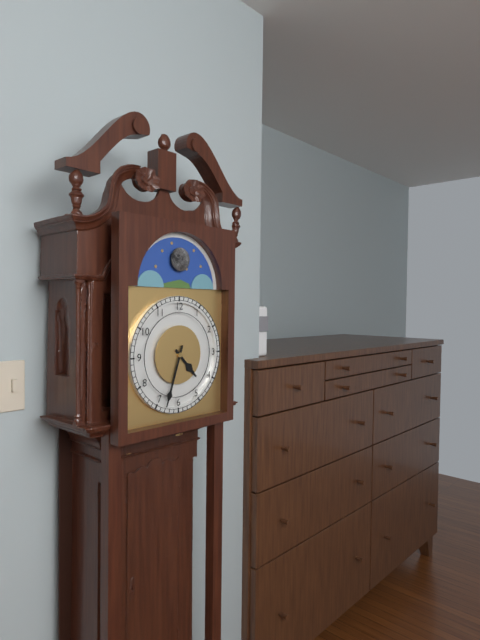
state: 4:33
